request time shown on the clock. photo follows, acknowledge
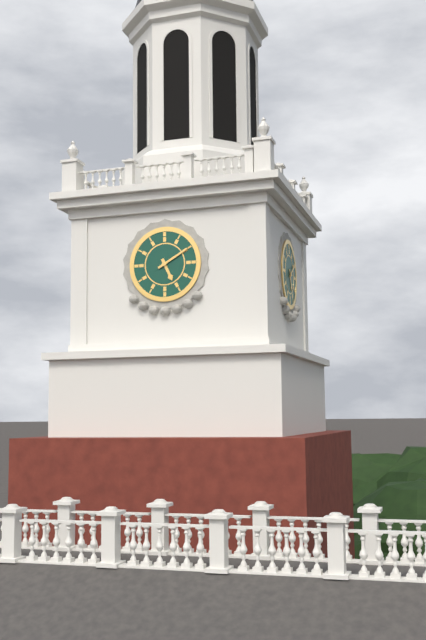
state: 5:10
